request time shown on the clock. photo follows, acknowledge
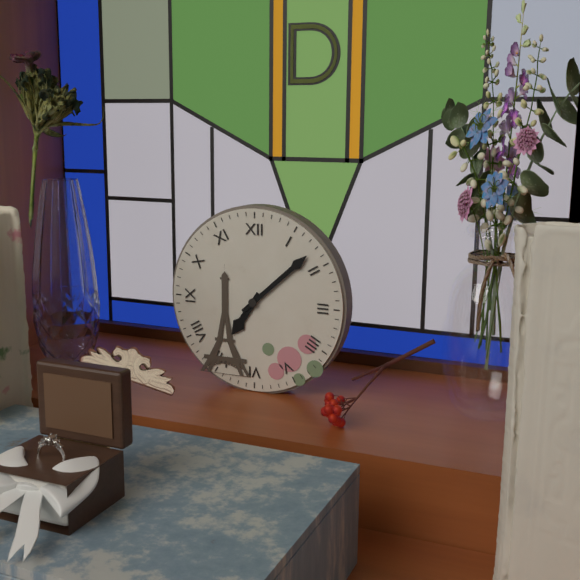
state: 7:08
